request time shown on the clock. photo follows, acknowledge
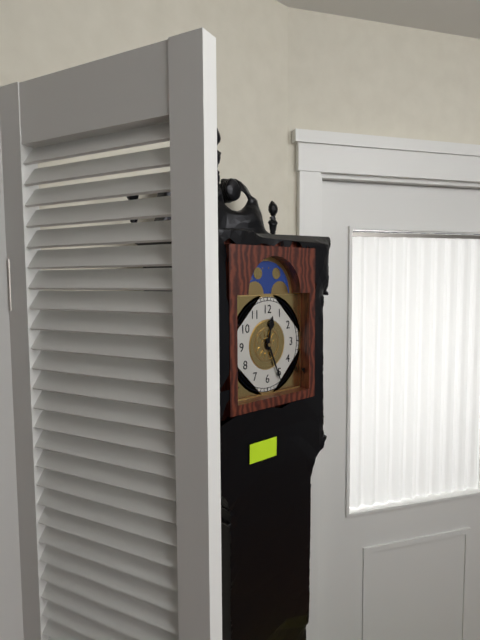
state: 12:26
